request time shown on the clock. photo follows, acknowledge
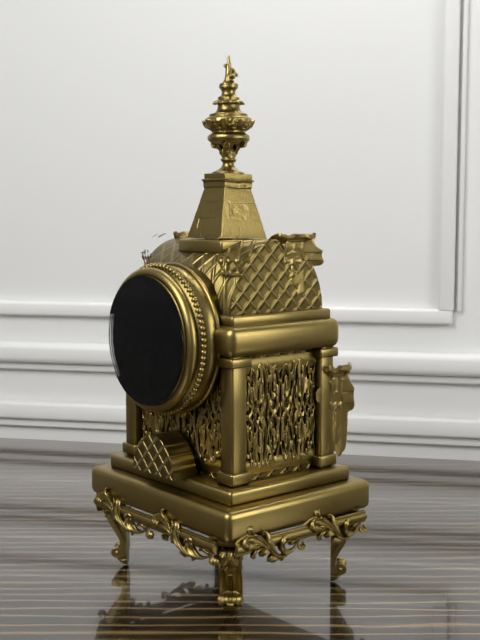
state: 10:43
